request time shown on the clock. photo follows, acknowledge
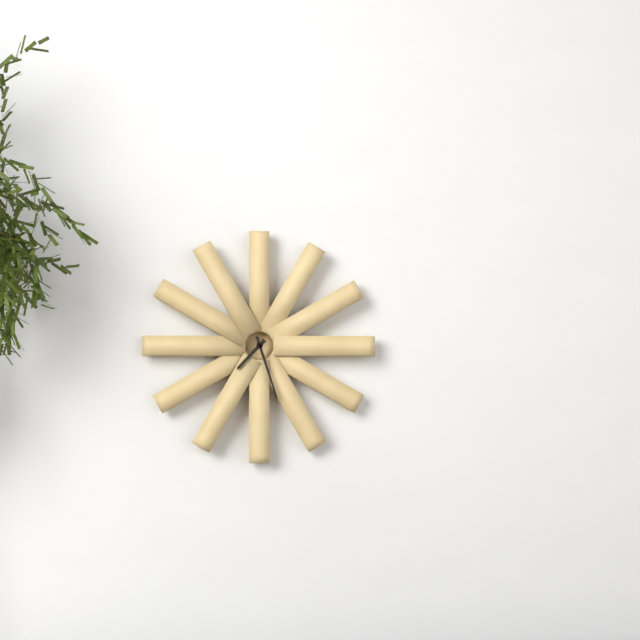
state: 7:27
